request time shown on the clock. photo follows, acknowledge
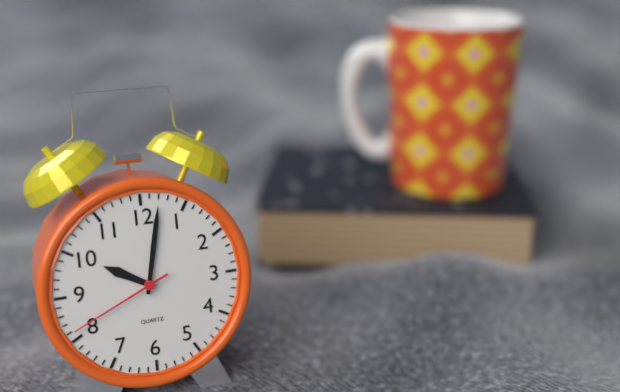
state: 10:02:41
